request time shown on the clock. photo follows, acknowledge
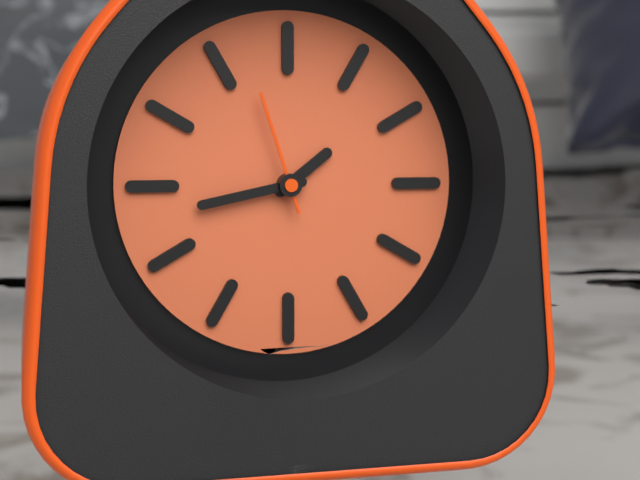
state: 1:43:57
